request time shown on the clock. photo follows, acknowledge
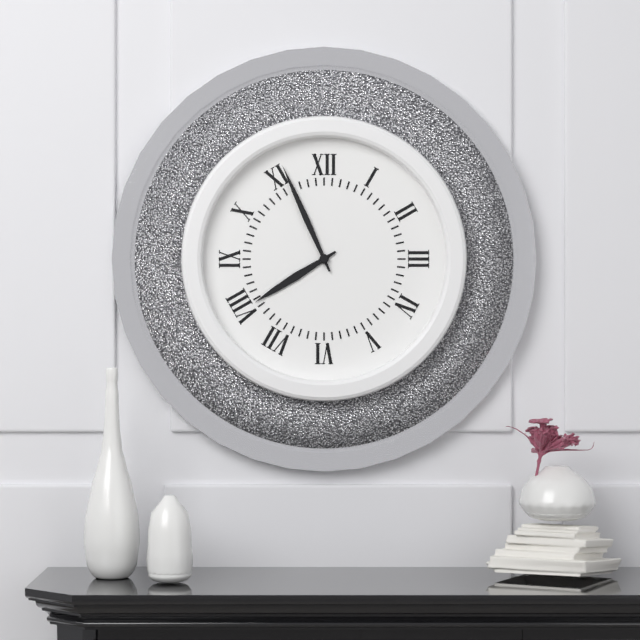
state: 7:56
